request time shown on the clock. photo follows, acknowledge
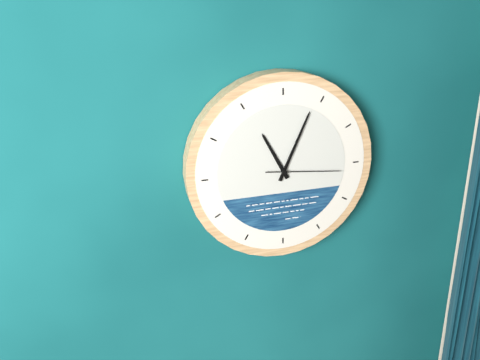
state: 11:04:16
